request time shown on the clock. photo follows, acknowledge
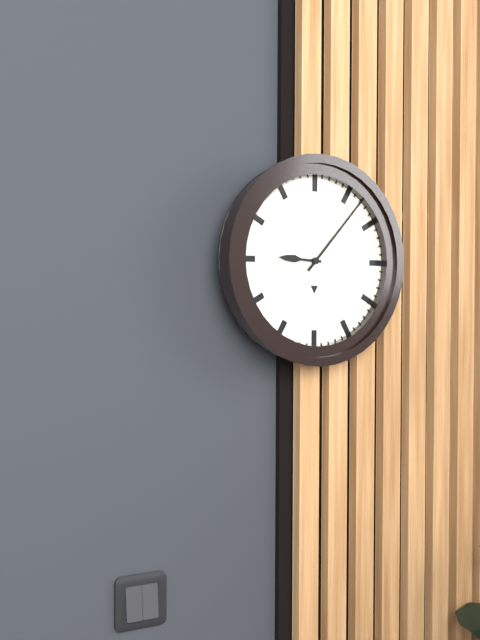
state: 9:07
